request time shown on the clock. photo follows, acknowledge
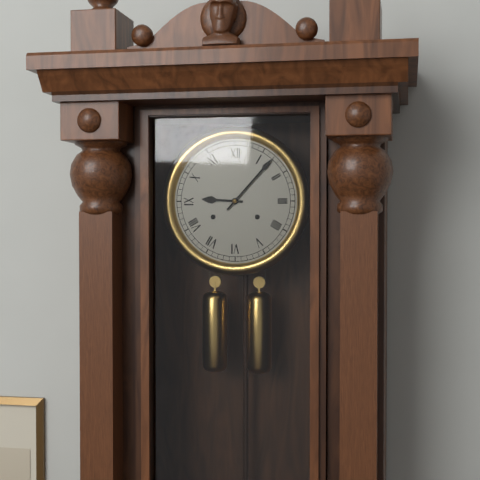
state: 9:07
